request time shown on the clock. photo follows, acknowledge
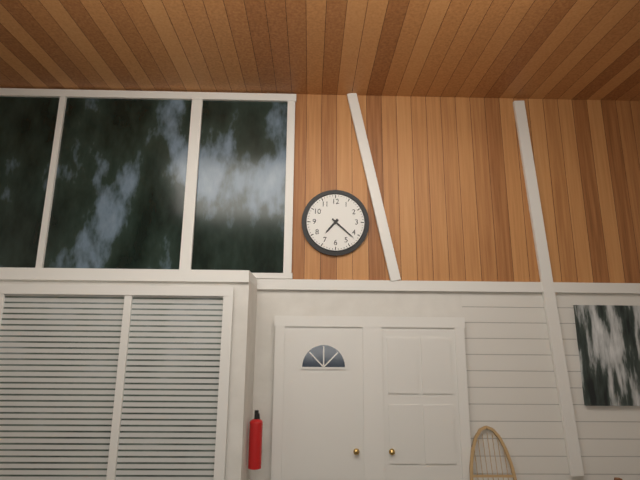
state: 7:22
